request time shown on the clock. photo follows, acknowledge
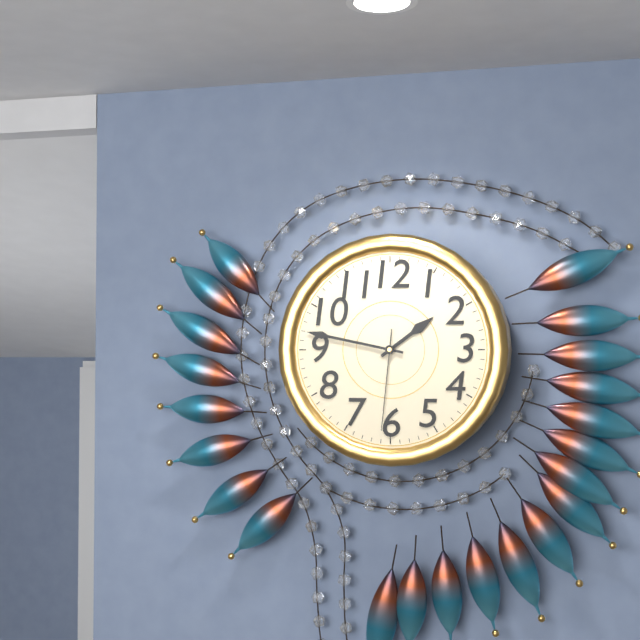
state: 1:47:31
